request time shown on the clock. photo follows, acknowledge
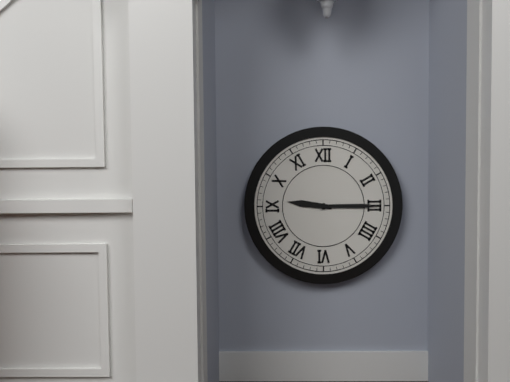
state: 9:15
